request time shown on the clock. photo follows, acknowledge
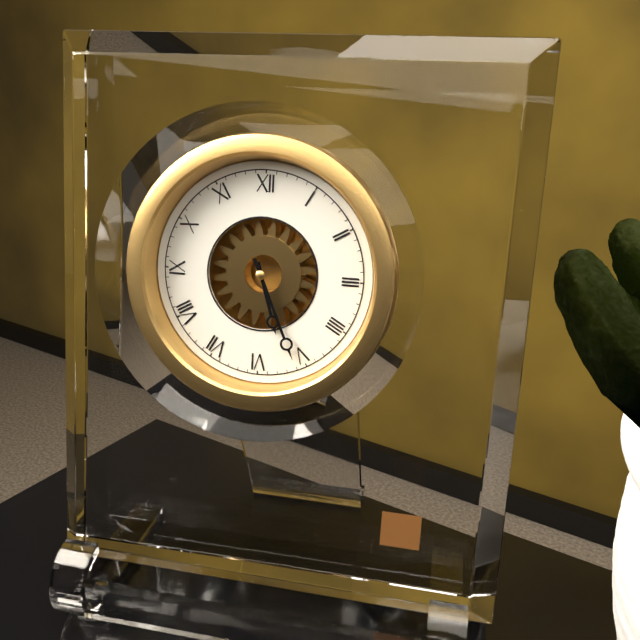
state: 5:26
